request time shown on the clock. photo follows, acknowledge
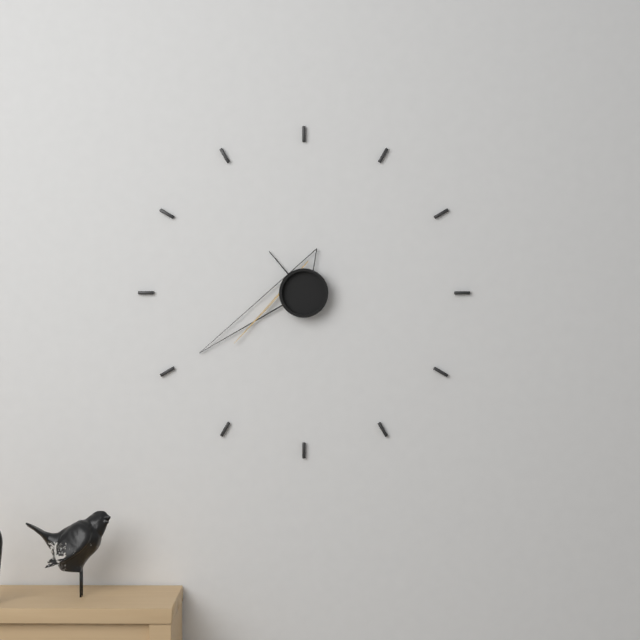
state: 10:40:39
